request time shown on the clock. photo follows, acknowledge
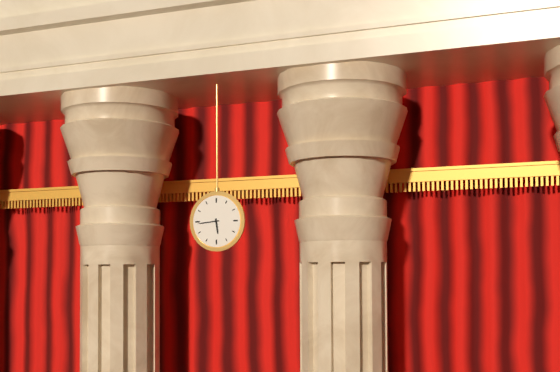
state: 5:44
